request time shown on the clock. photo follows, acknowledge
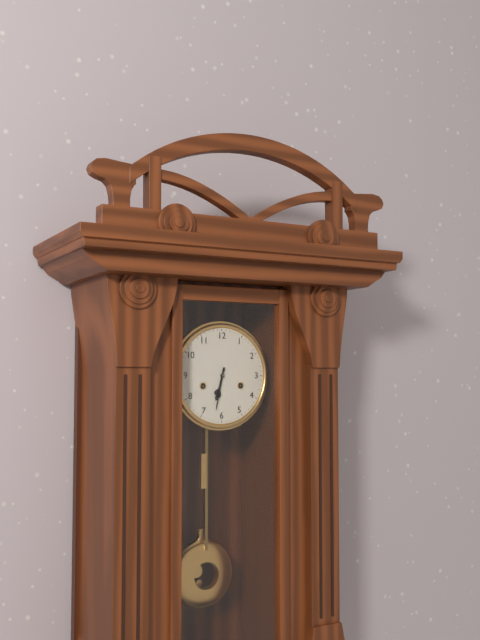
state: 6:32
